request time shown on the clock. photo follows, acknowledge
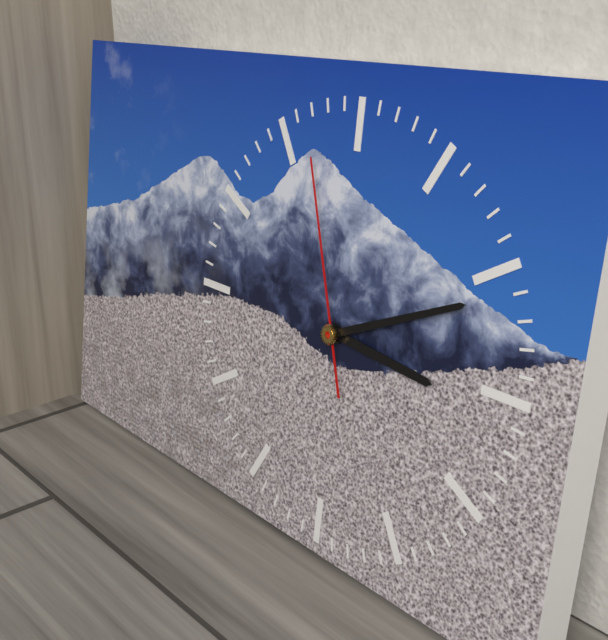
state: 3:11:57
